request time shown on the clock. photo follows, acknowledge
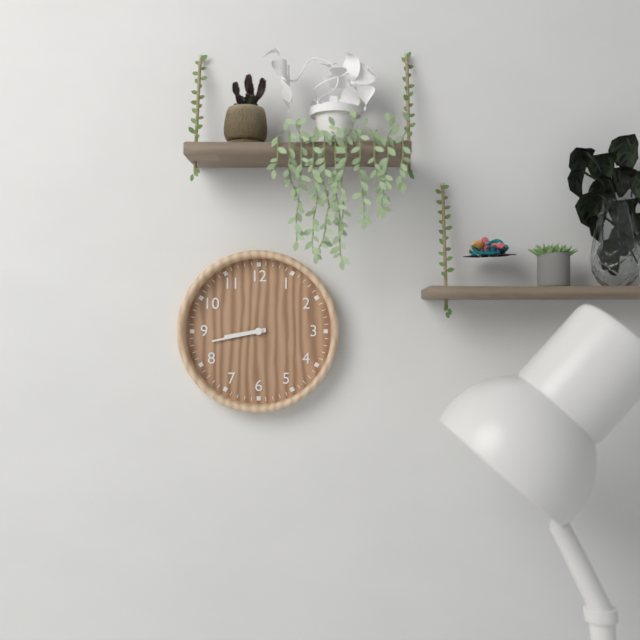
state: 8:43
